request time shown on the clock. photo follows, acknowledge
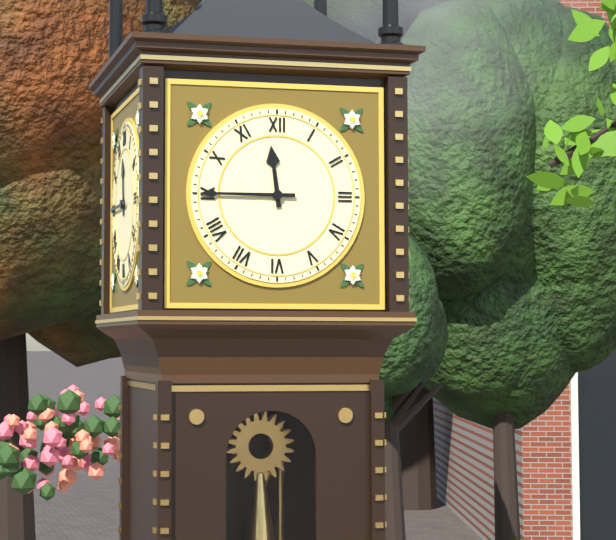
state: 11:45
